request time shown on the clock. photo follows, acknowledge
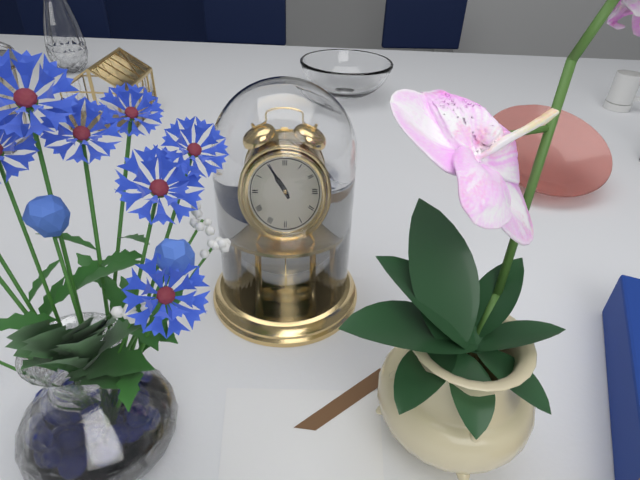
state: 10:55
